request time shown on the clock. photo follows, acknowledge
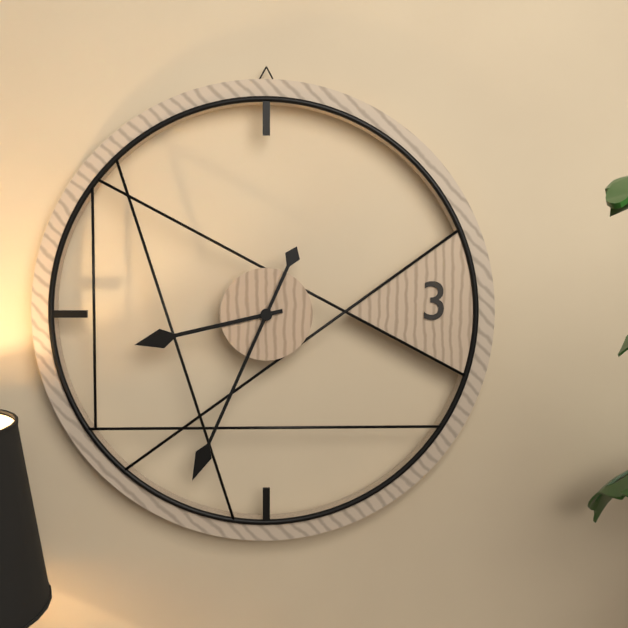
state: 8:34
